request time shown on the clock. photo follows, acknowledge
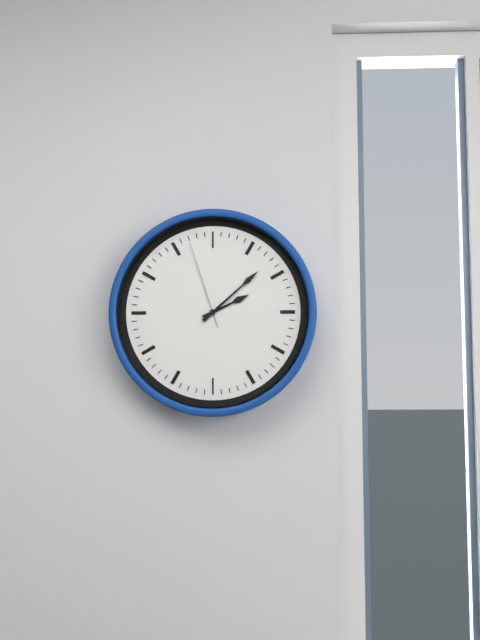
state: 2:08:57
